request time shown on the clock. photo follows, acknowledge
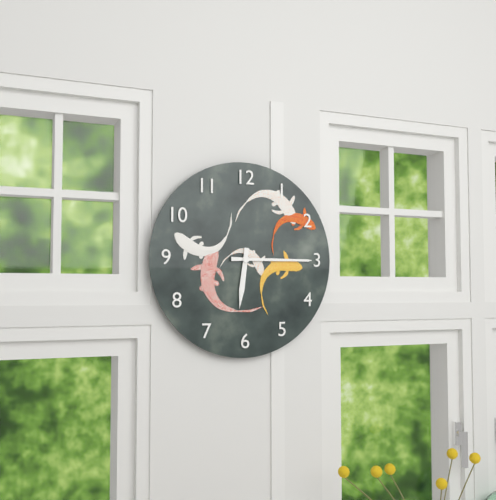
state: 6:15
